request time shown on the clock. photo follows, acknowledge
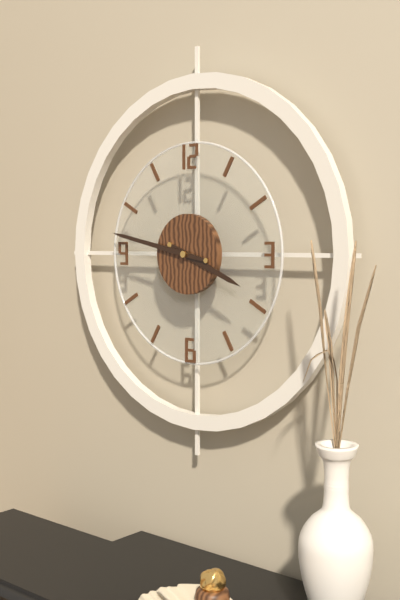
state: 3:47
